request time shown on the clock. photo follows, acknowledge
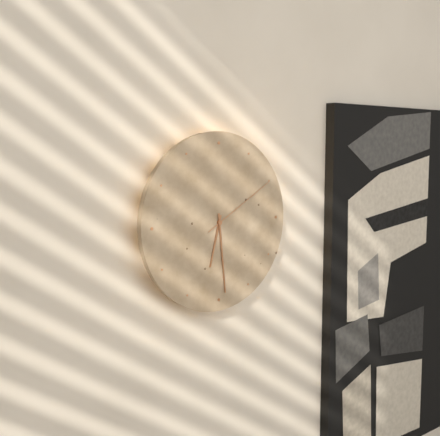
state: 6:29:10
